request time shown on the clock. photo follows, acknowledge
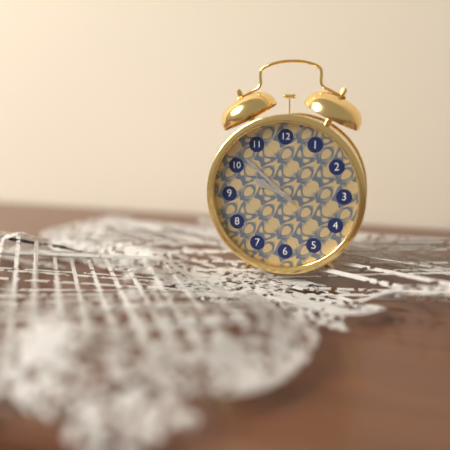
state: 9:52
